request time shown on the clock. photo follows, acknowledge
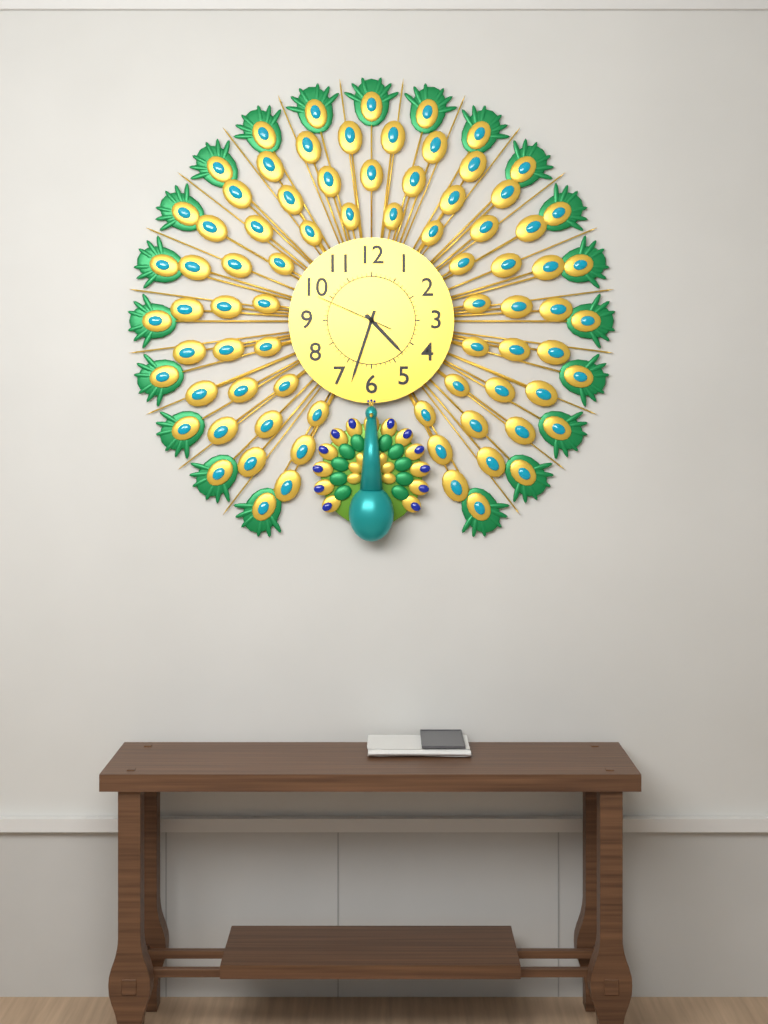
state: 4:33:49
